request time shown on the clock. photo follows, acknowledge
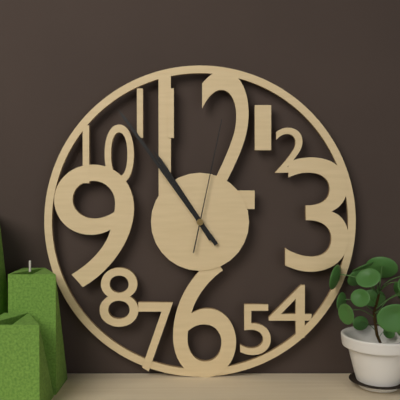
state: 10:54:02
